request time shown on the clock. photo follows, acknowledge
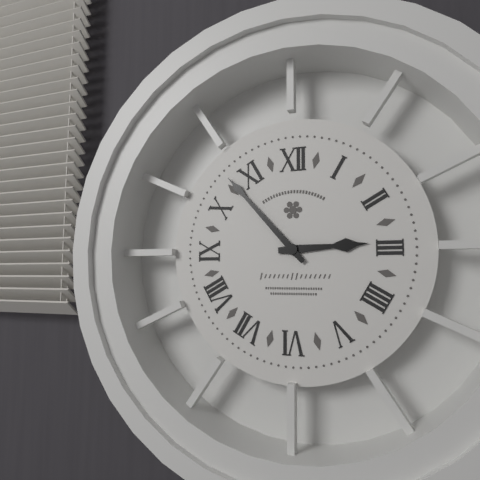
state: 2:53
